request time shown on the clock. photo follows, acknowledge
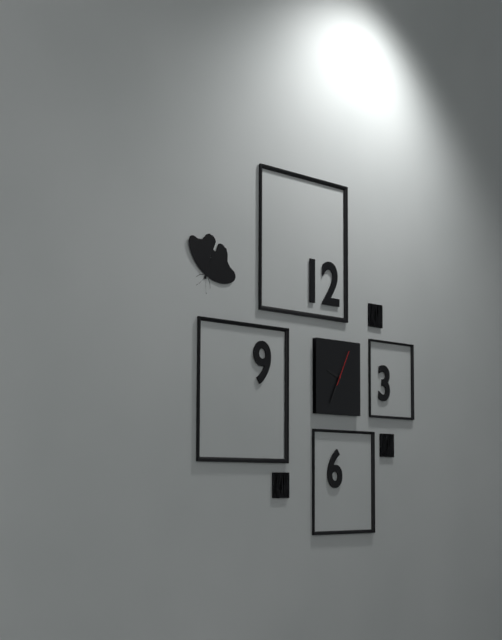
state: 9:35
